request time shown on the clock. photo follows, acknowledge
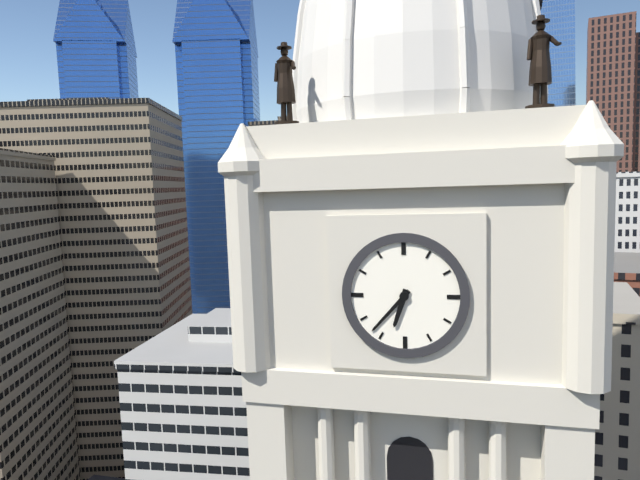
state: 6:37
